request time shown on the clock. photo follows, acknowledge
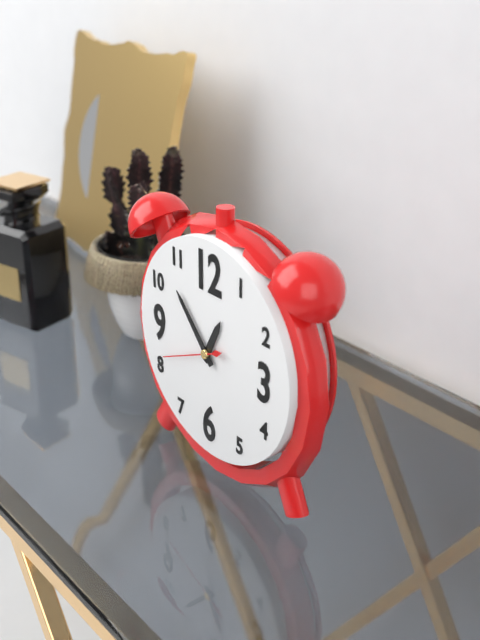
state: 12:53:41
